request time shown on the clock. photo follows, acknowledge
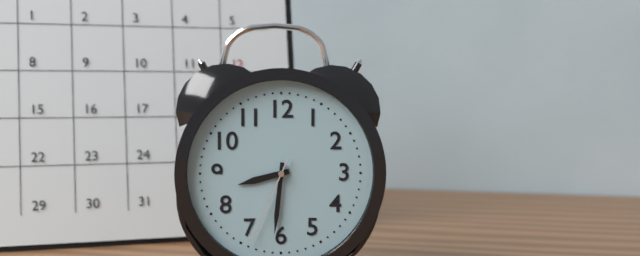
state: 8:31:34
